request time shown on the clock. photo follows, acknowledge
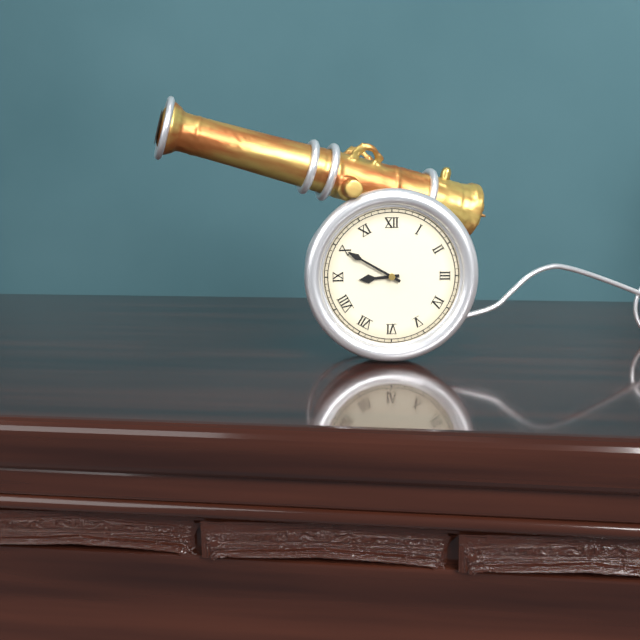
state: 8:50
